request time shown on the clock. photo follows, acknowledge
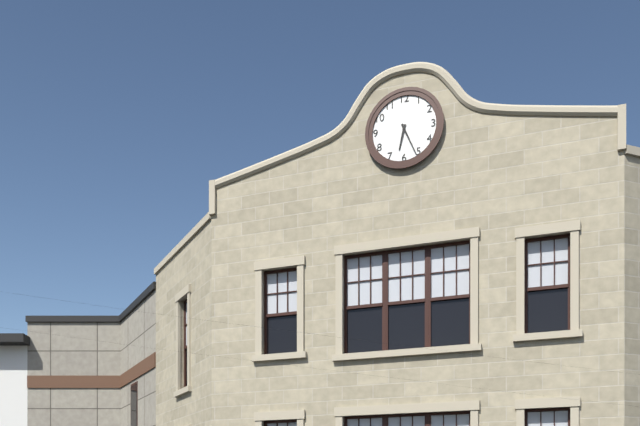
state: 6:26
